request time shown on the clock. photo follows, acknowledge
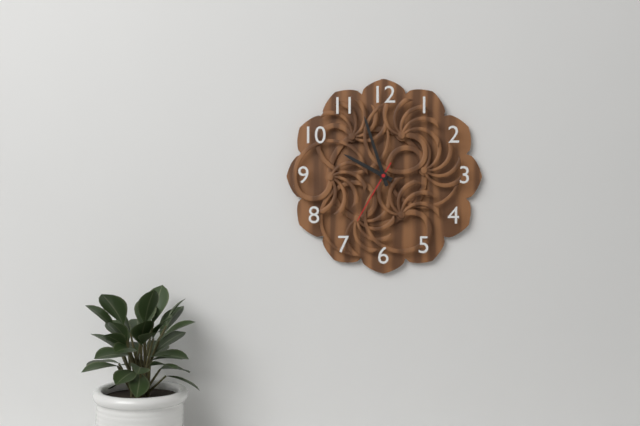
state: 9:57:35
